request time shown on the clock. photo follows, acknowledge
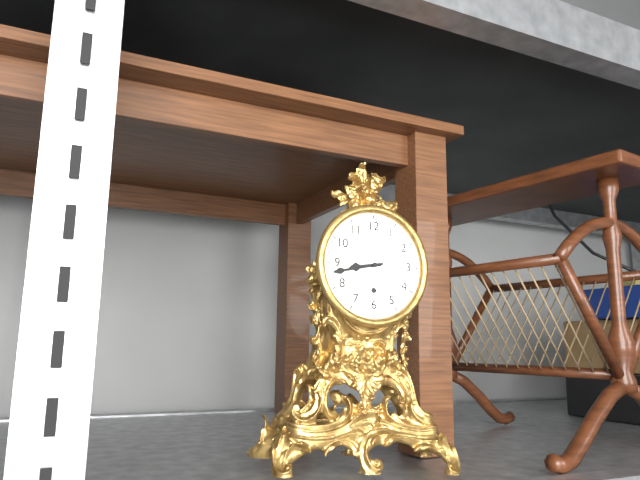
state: 8:43
